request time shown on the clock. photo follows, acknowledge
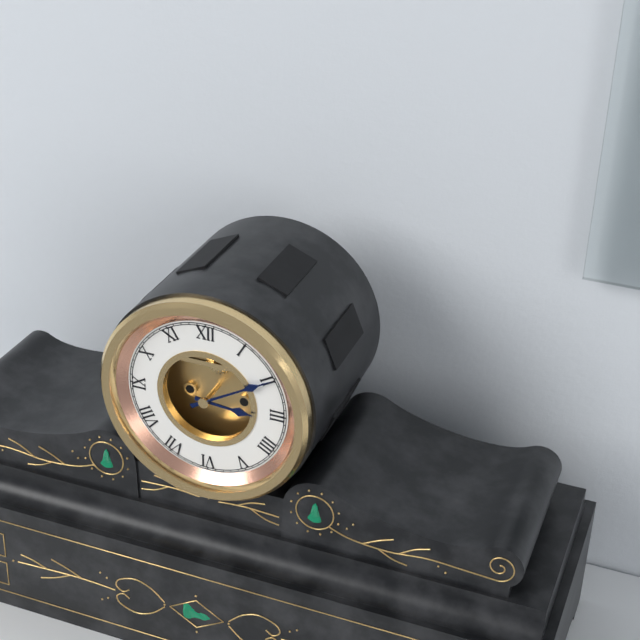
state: 3:10
